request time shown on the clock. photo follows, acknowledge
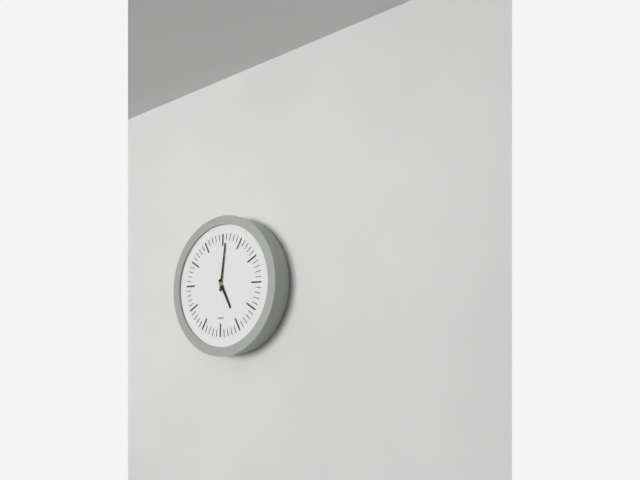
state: 5:01
